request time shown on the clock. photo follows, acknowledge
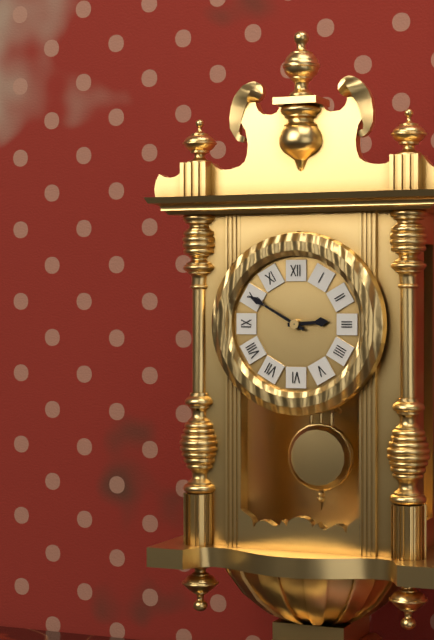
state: 2:50
